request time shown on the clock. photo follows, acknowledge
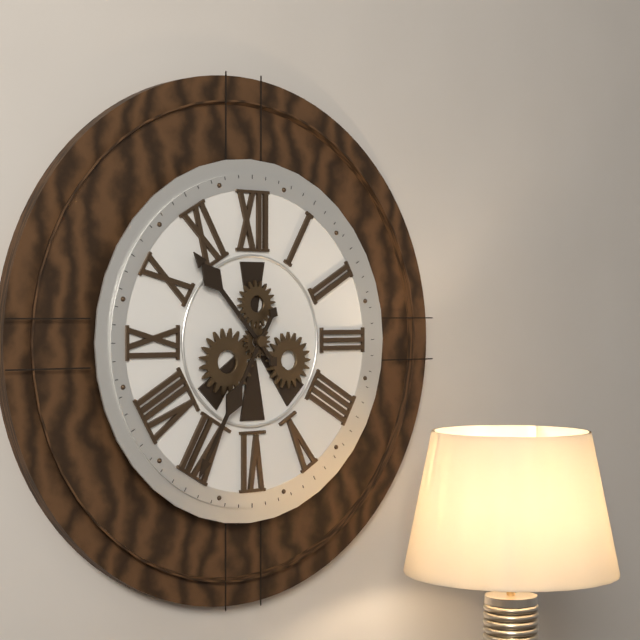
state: 10:35
